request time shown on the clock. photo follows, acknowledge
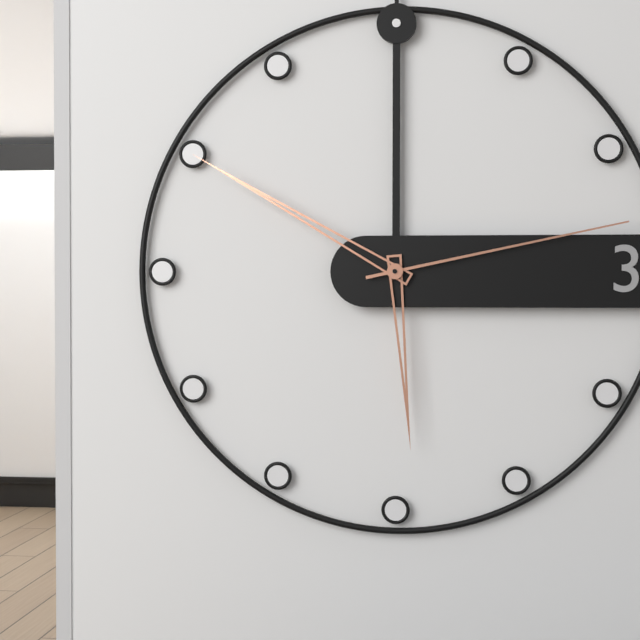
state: 5:50:13
